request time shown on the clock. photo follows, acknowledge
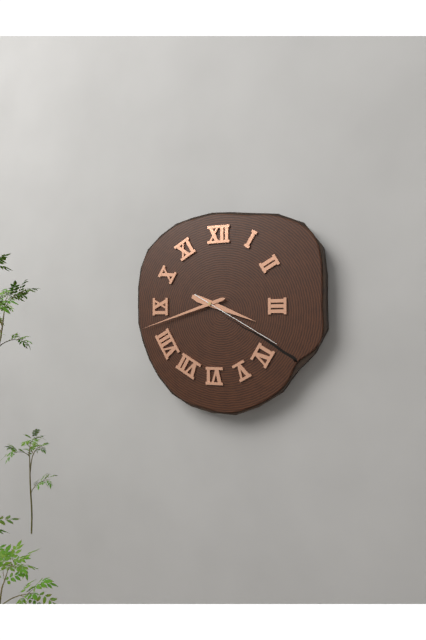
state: 3:42:20
